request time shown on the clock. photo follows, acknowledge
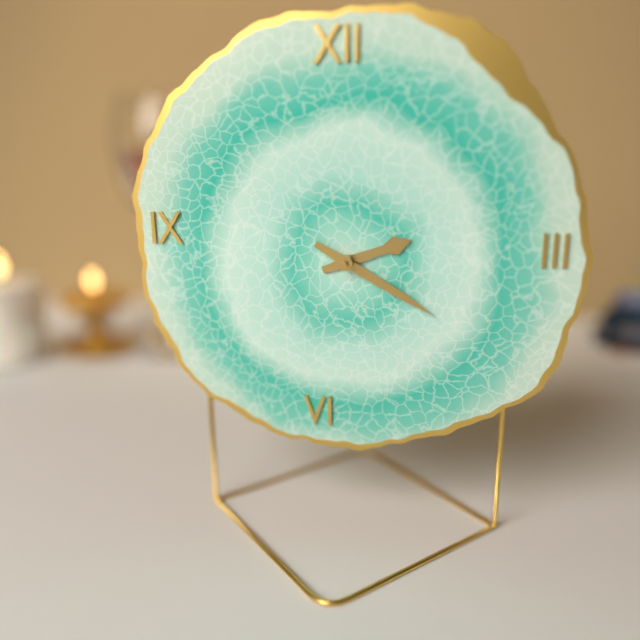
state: 2:20
